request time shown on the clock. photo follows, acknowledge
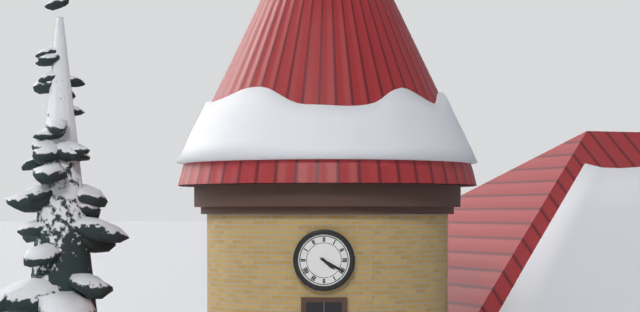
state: 4:20
